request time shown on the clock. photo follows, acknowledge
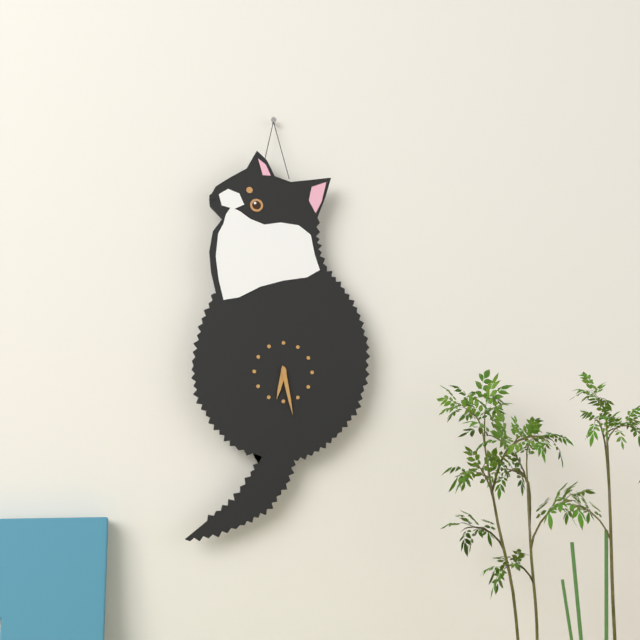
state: 6:28
